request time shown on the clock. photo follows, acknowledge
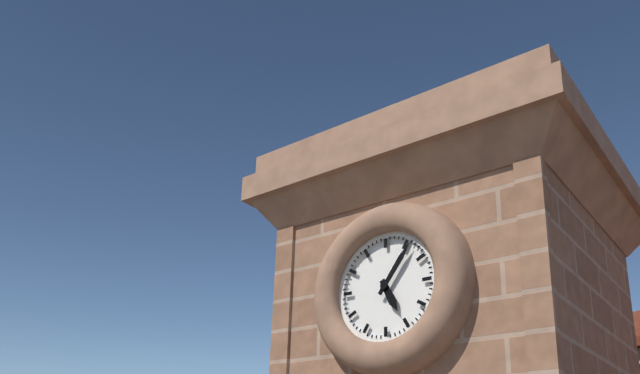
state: 5:06
